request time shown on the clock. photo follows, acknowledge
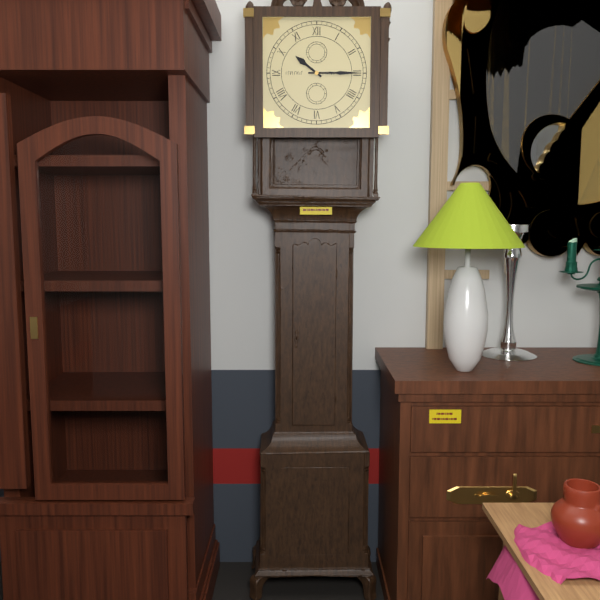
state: 10:15
